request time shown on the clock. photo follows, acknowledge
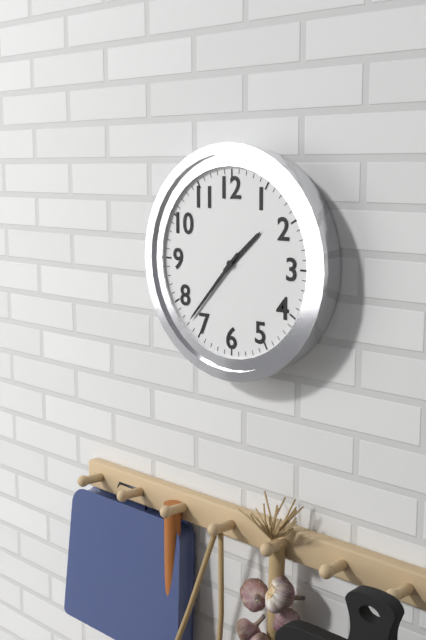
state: 1:37
